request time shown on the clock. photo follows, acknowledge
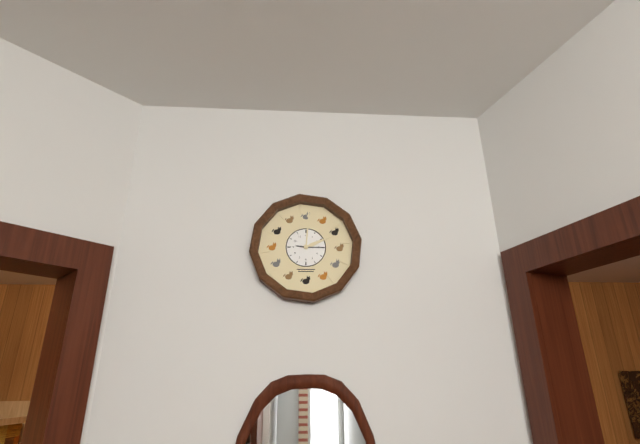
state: 9:15
